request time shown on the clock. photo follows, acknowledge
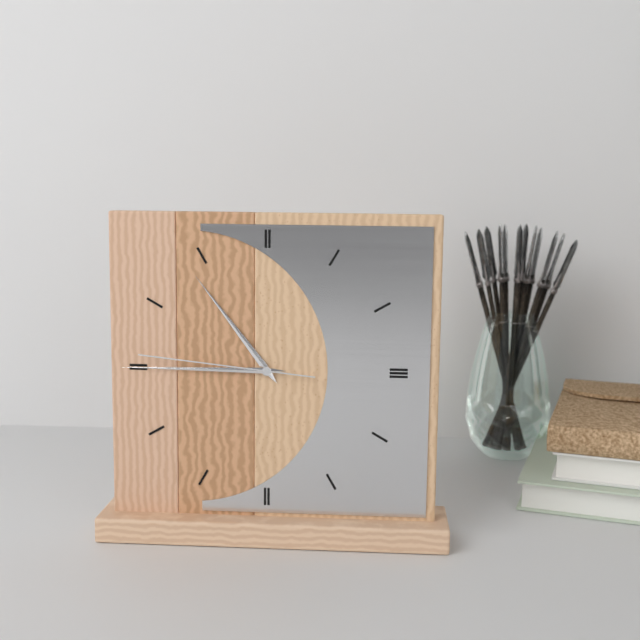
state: 10:45:46
